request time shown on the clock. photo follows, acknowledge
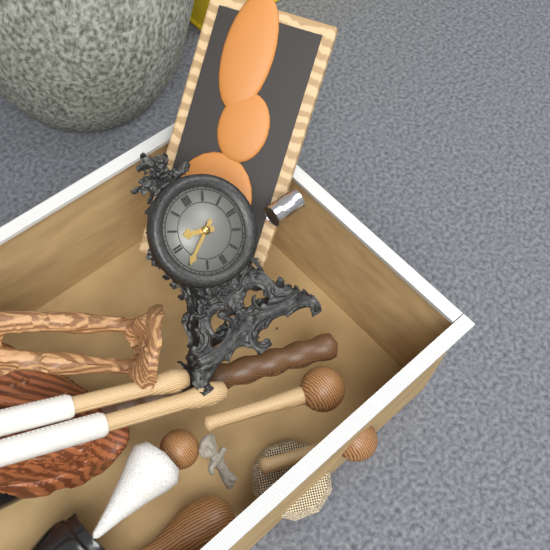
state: 9:40
